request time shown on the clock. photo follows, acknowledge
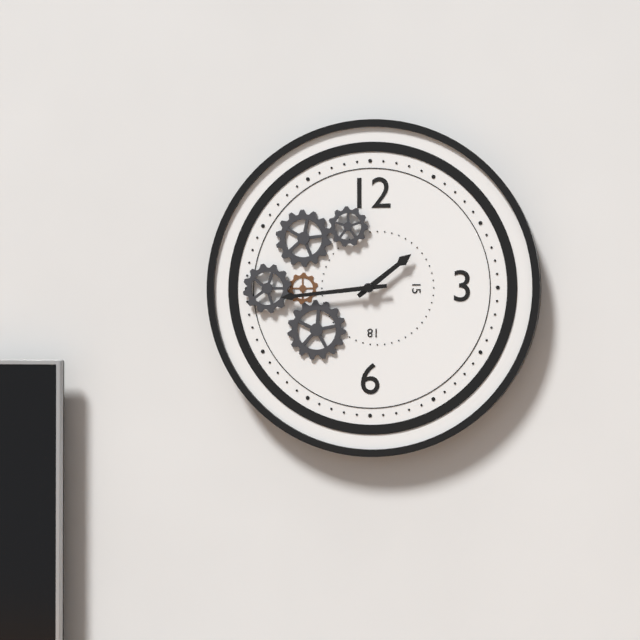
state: 1:44
